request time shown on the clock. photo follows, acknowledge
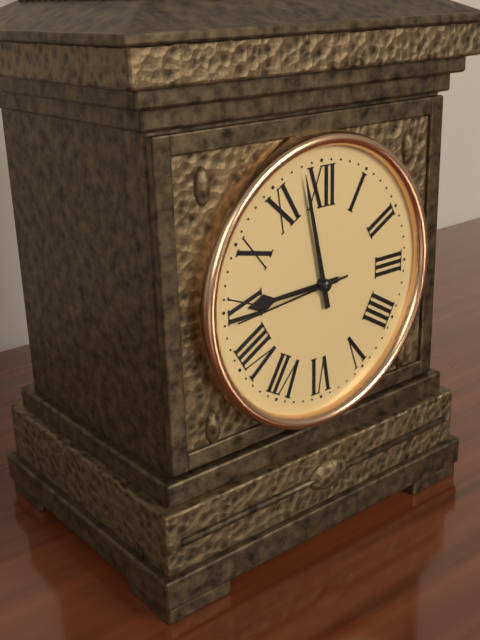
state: 8:58:44
